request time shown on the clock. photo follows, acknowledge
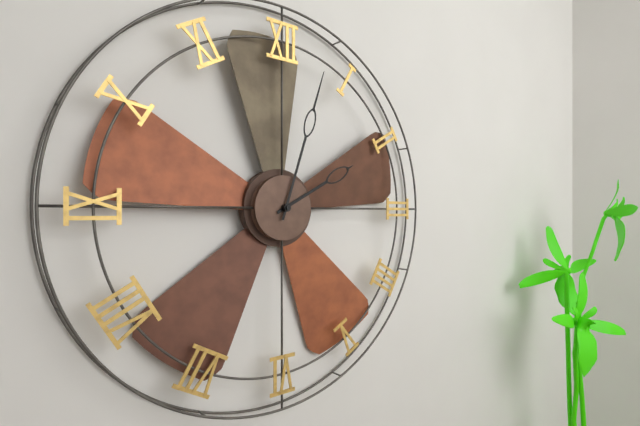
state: 2:03
